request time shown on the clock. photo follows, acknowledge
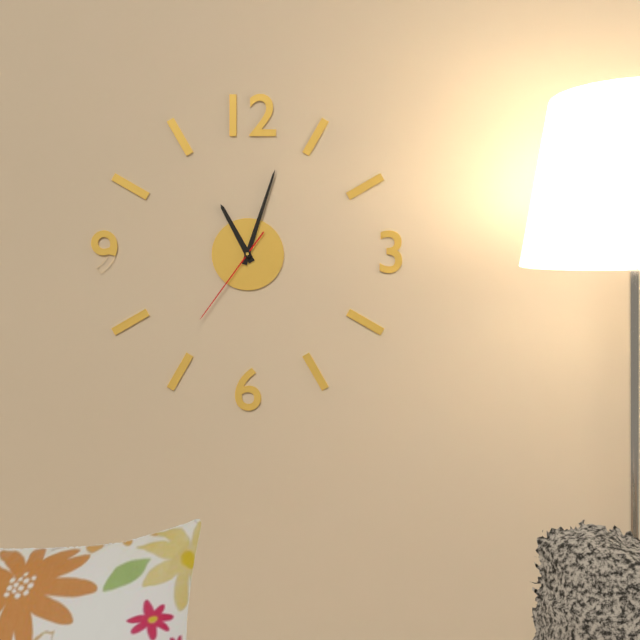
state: 11:03:36
